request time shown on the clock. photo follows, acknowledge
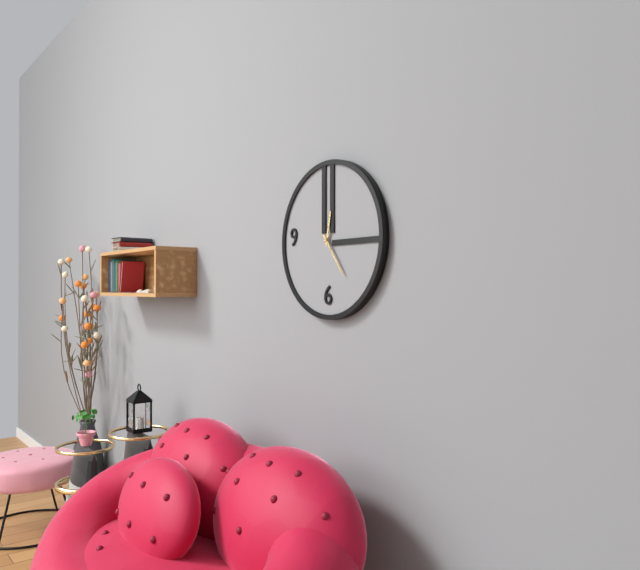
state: 12:24
